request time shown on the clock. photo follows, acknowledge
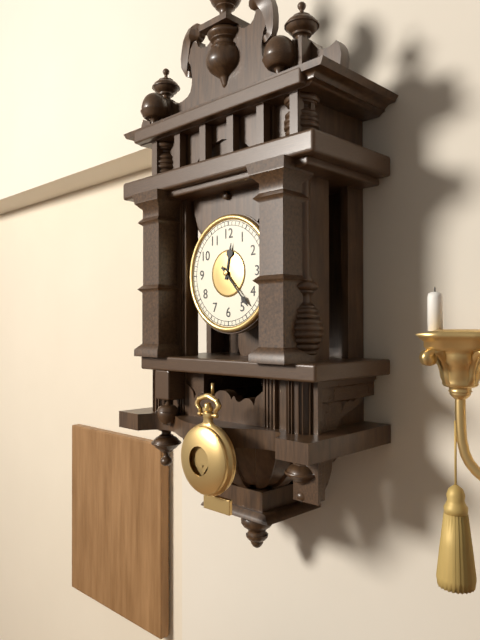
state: 12:23
